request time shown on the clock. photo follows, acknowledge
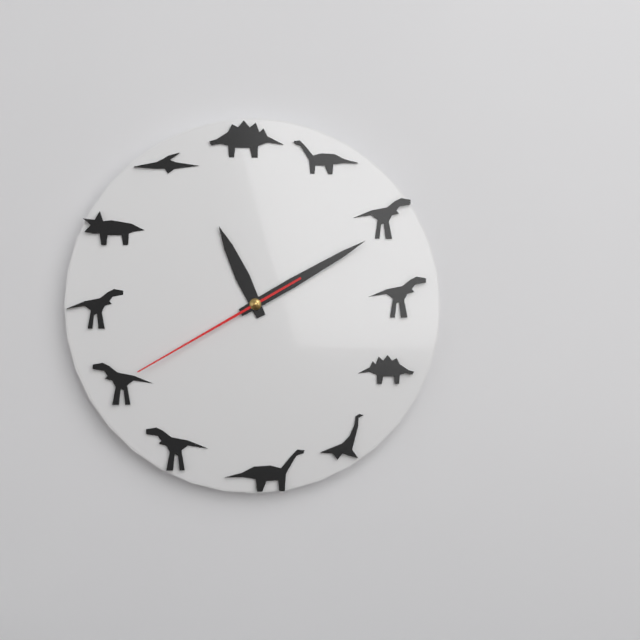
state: 11:10:40
